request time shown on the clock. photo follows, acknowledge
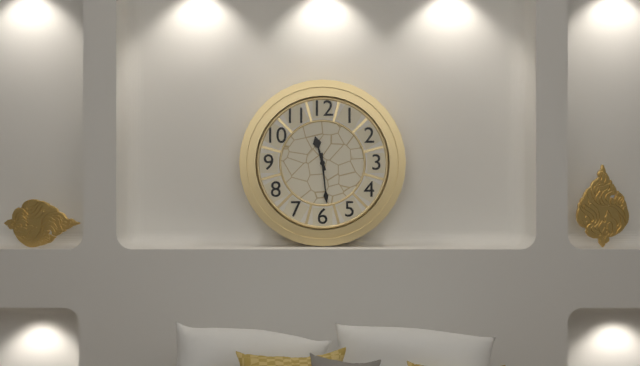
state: 11:29
